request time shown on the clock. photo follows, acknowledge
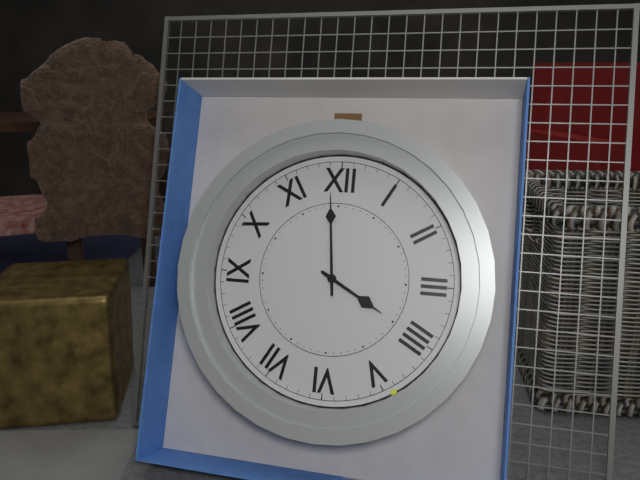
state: 3:59
